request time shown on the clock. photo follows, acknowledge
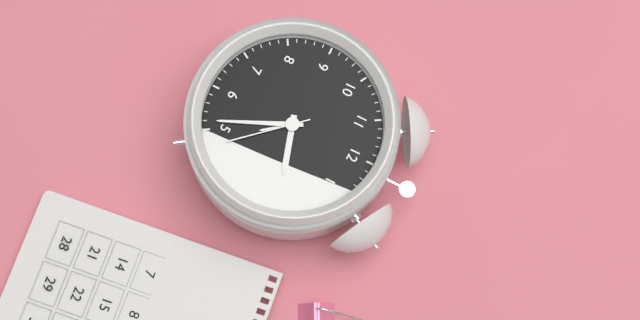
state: 2:26:23
